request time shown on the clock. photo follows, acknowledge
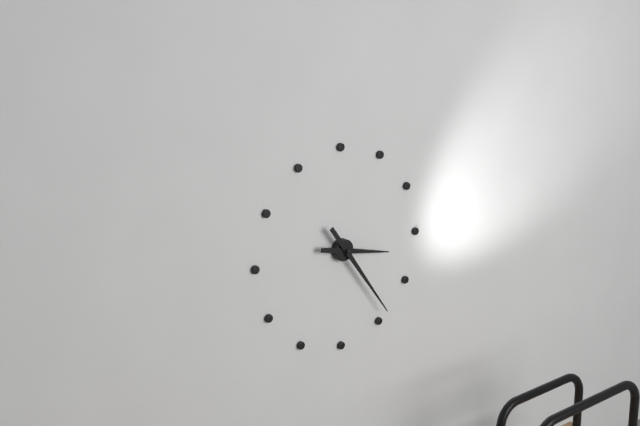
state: 3:24
